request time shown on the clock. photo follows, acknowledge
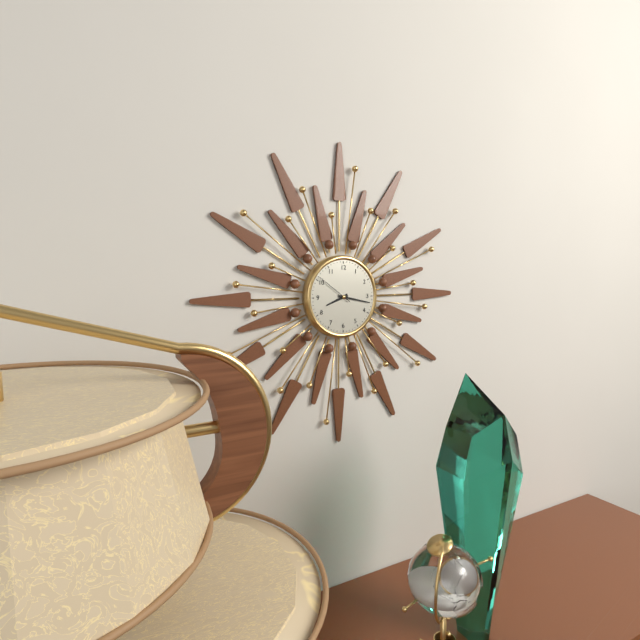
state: 8:17
